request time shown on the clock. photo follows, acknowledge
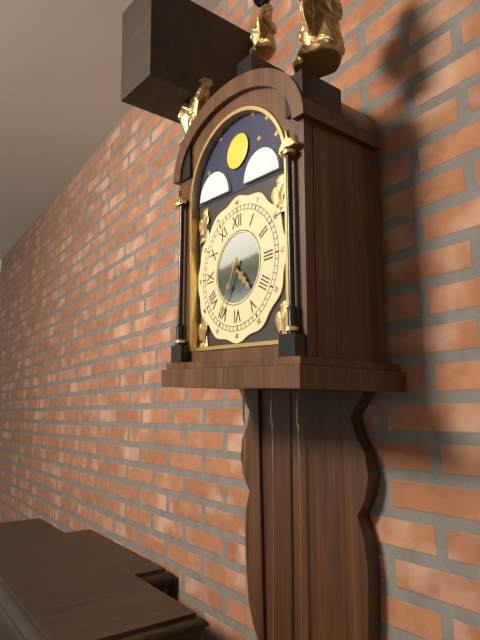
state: 4:35
